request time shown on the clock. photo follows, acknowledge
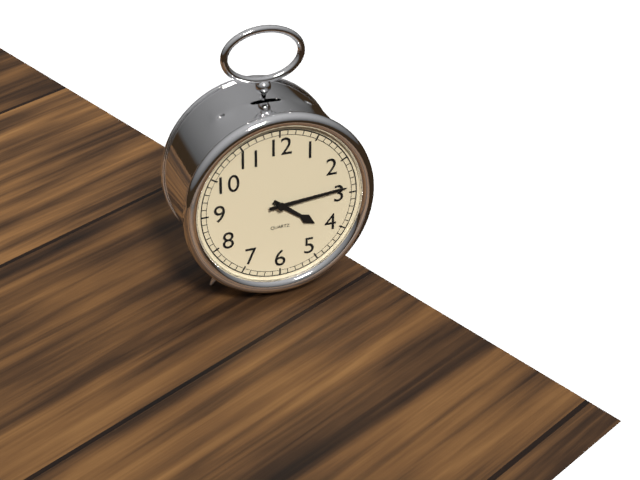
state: 4:14
